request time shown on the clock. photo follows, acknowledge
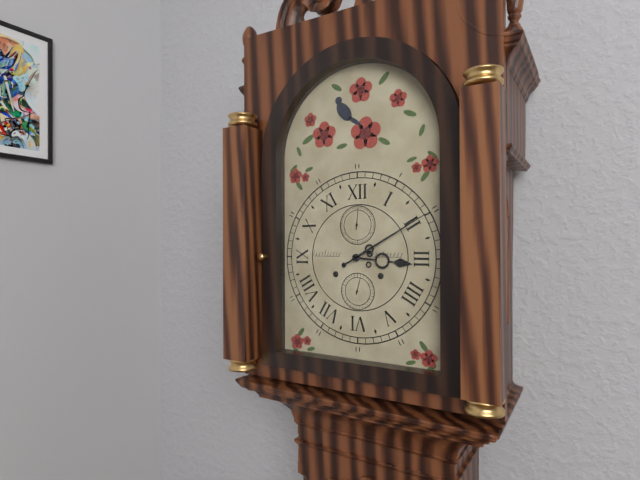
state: 3:10
